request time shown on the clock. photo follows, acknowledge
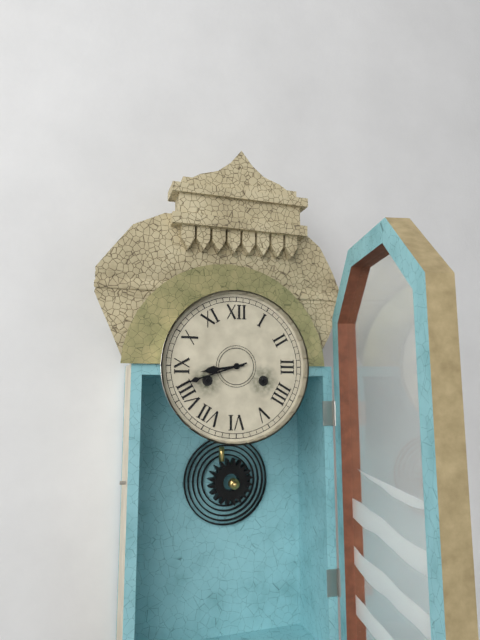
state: 8:42
